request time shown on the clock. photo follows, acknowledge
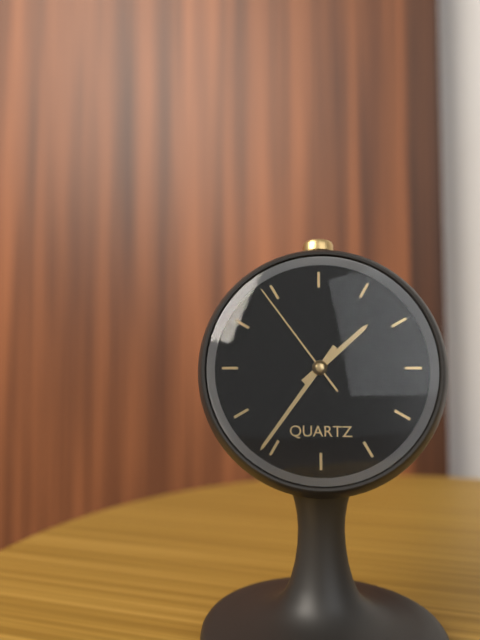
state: 1:36:54
